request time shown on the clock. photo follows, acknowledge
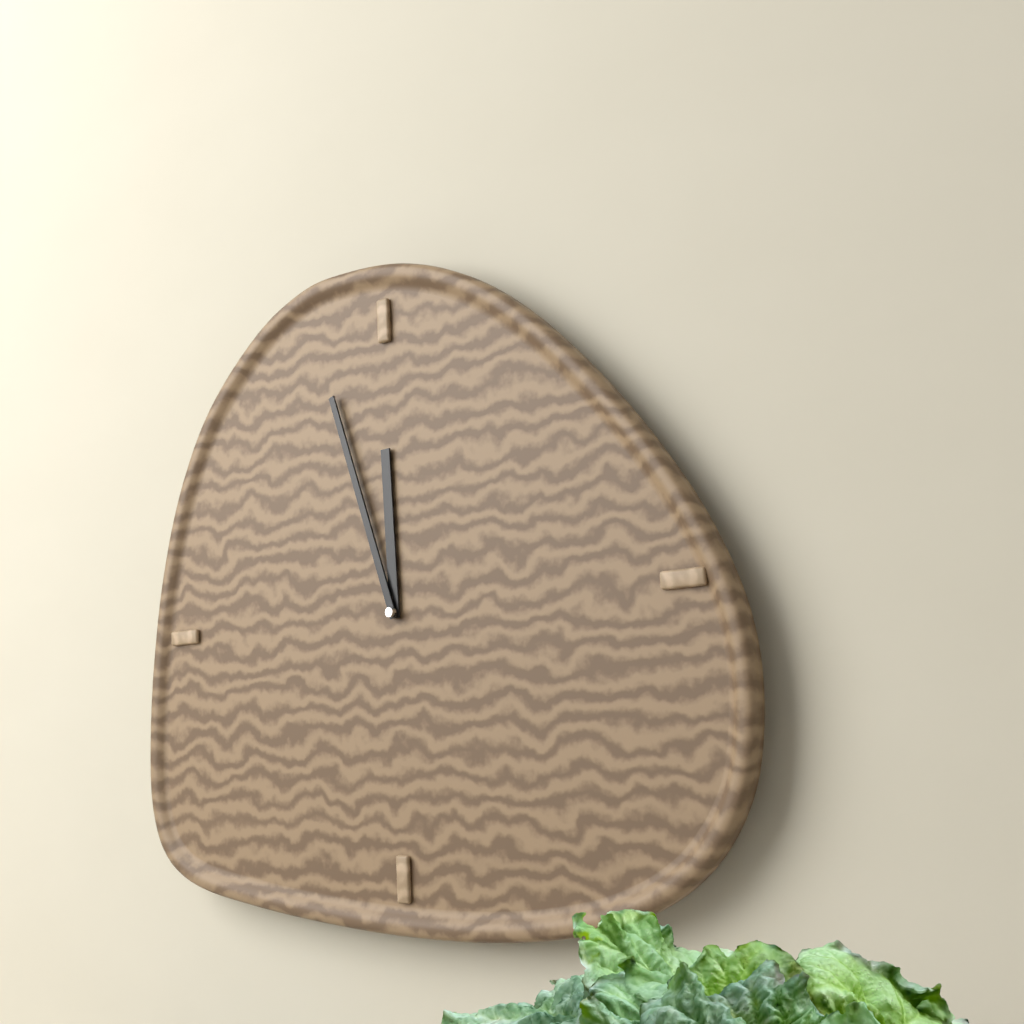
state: 11:57
